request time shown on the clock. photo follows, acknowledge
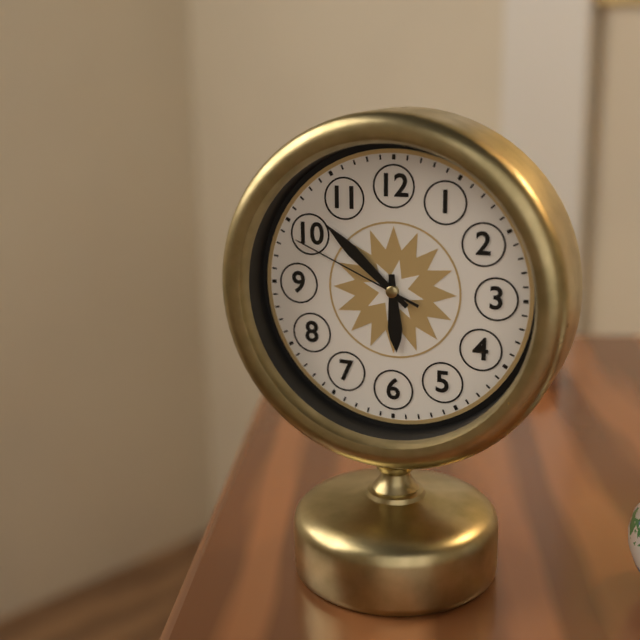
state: 5:52:49
